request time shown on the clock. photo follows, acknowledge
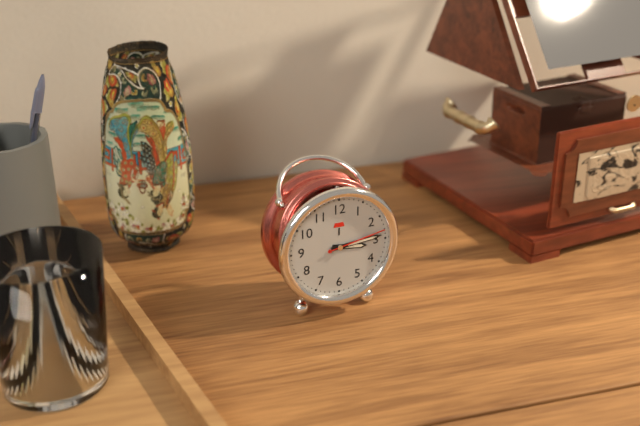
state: 3:14:13
